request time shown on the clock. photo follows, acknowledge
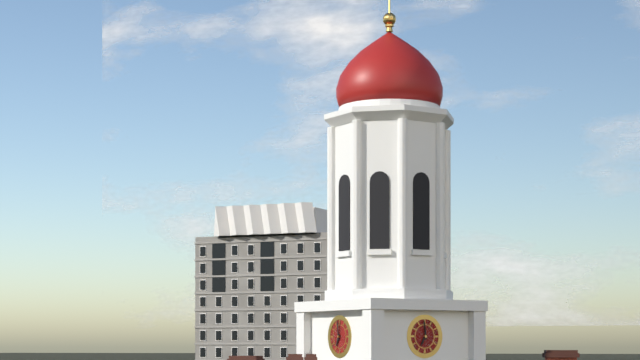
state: 6:59
